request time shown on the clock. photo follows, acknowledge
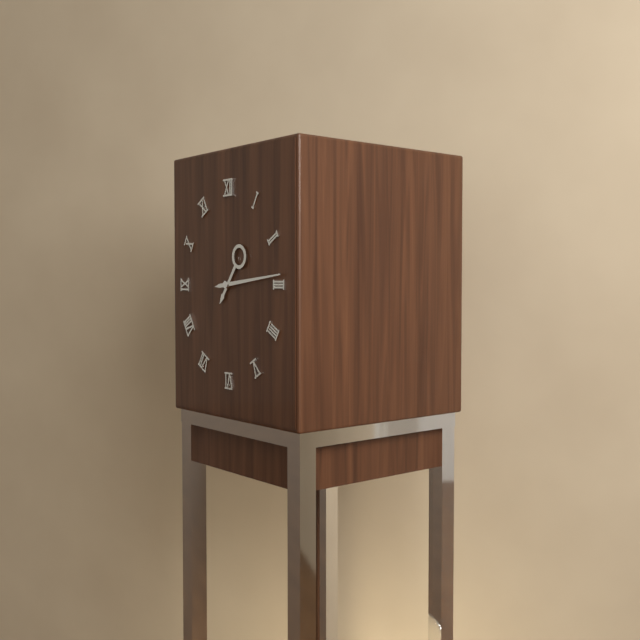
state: 1:14
